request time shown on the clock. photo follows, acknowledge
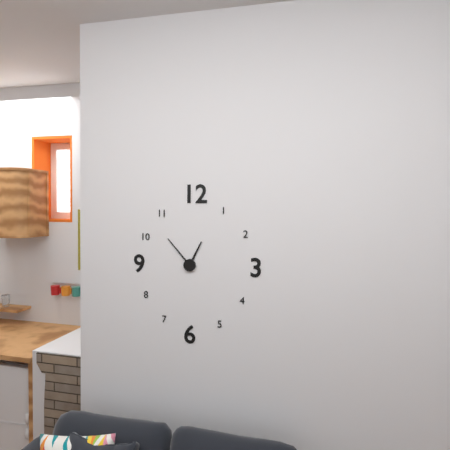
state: 12:53
